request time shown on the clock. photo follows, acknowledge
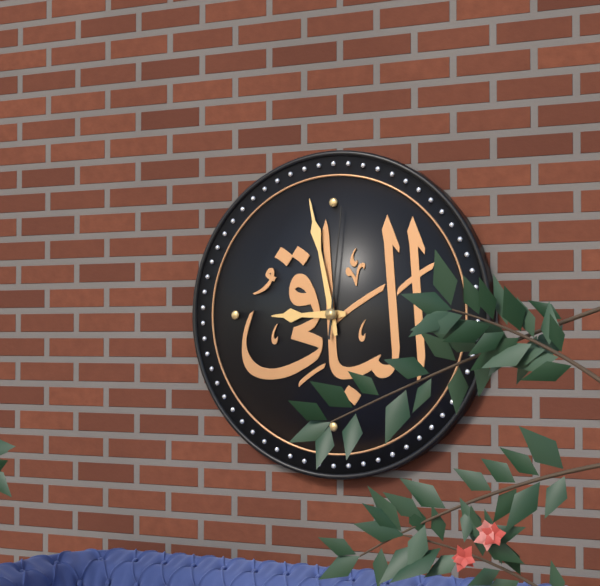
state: 8:58:01
